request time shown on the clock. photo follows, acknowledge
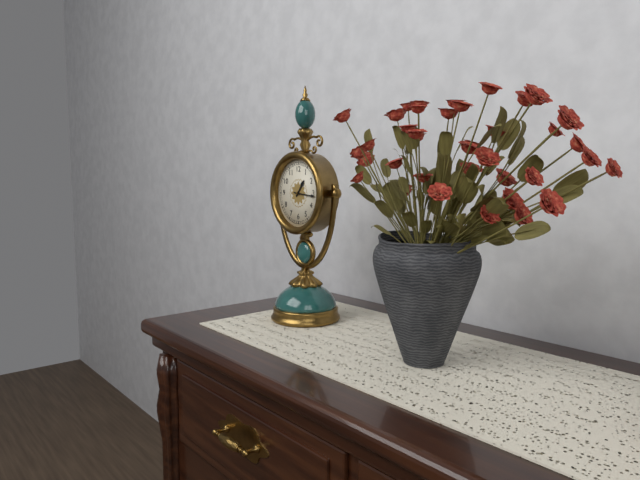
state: 1:16
